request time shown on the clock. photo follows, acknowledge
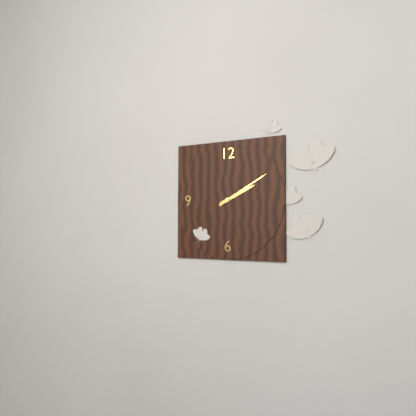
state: 2:10
